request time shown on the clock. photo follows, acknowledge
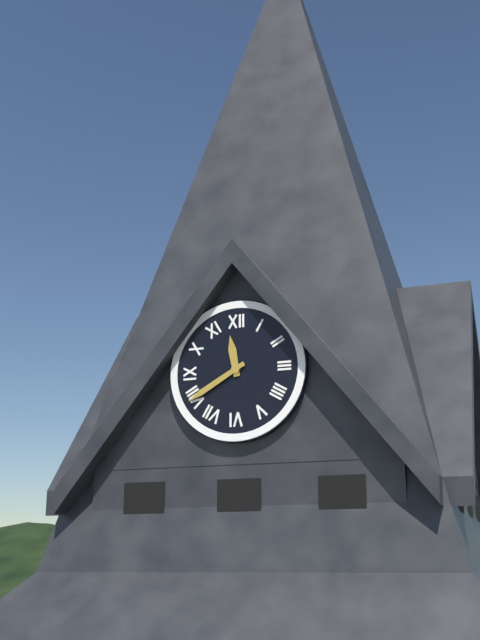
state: 11:40
